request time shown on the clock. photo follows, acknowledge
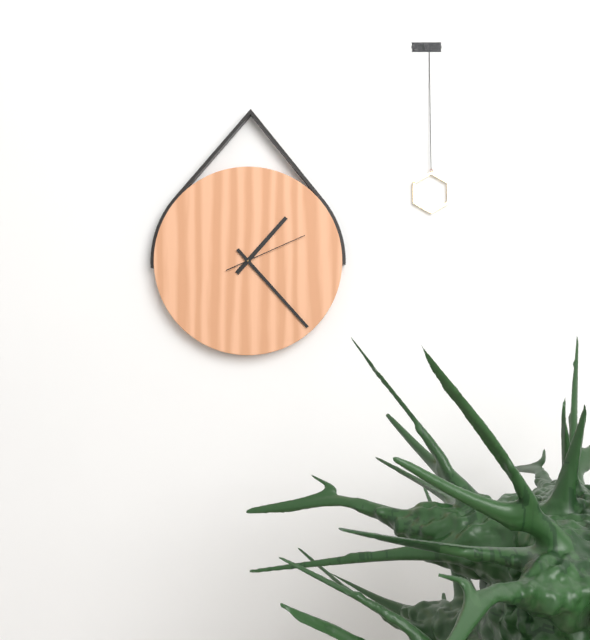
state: 1:23:11
